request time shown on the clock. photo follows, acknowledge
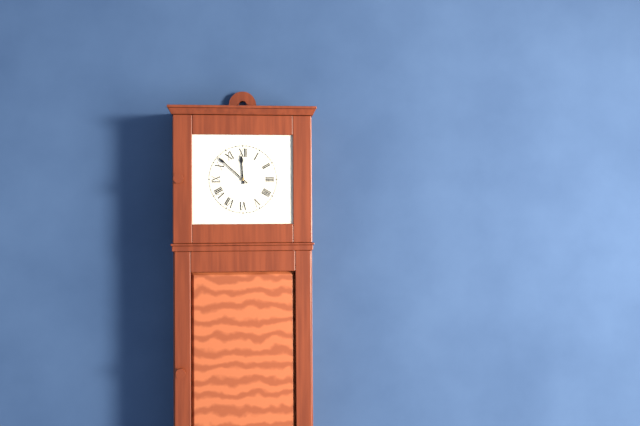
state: 11:52
